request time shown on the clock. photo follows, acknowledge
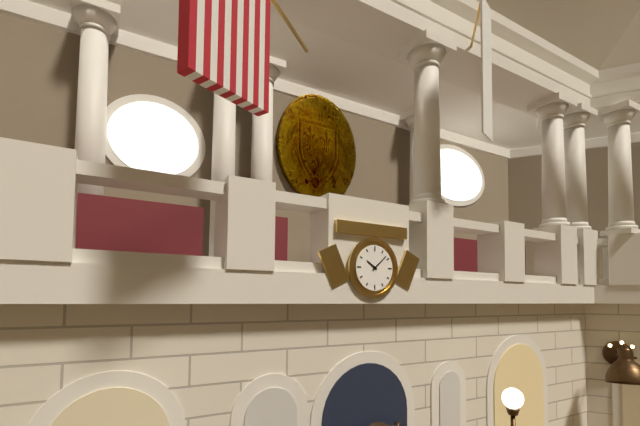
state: 10:08
